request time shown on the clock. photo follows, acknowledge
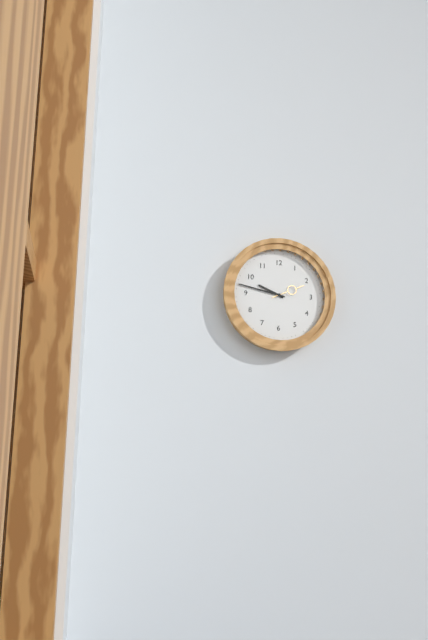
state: 9:47
